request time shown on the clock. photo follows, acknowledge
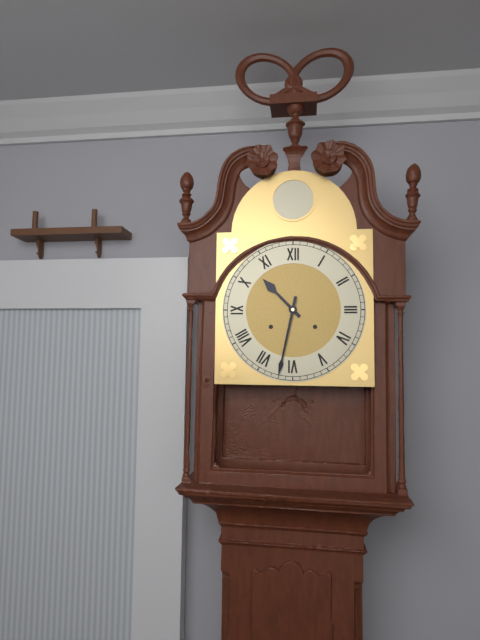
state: 10:32
